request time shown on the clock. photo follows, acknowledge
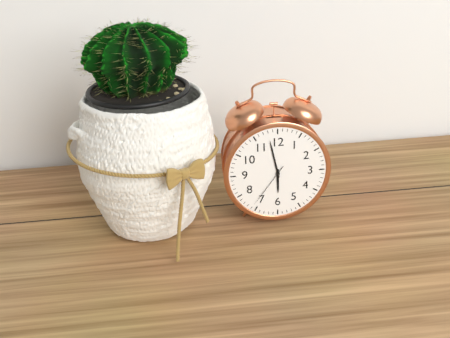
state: 5:58
